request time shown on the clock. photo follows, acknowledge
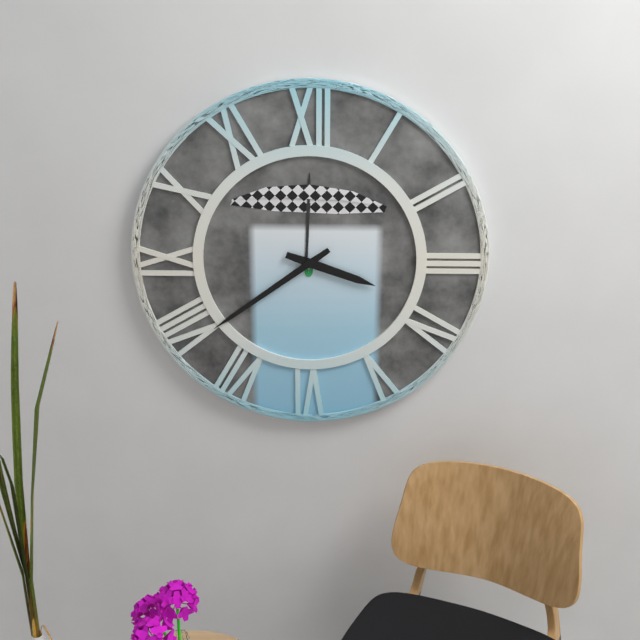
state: 3:39
